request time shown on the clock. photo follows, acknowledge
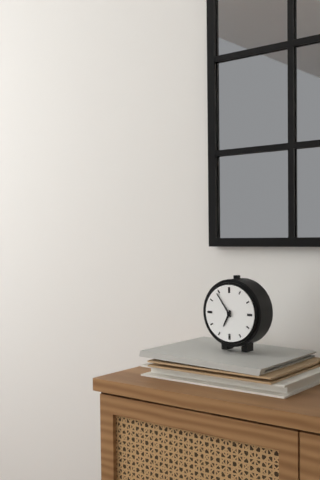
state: 6:54
